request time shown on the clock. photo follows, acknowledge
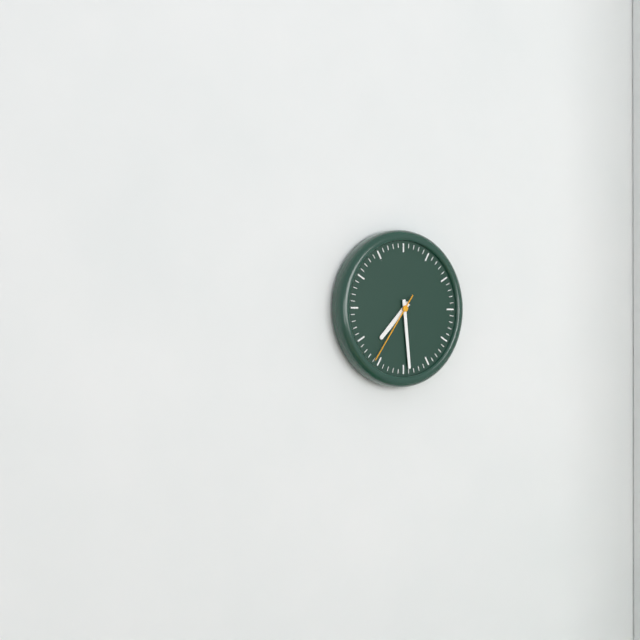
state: 7:29:36
